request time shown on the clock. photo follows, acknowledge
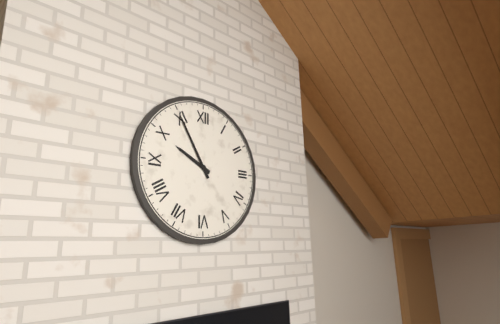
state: 9:55
